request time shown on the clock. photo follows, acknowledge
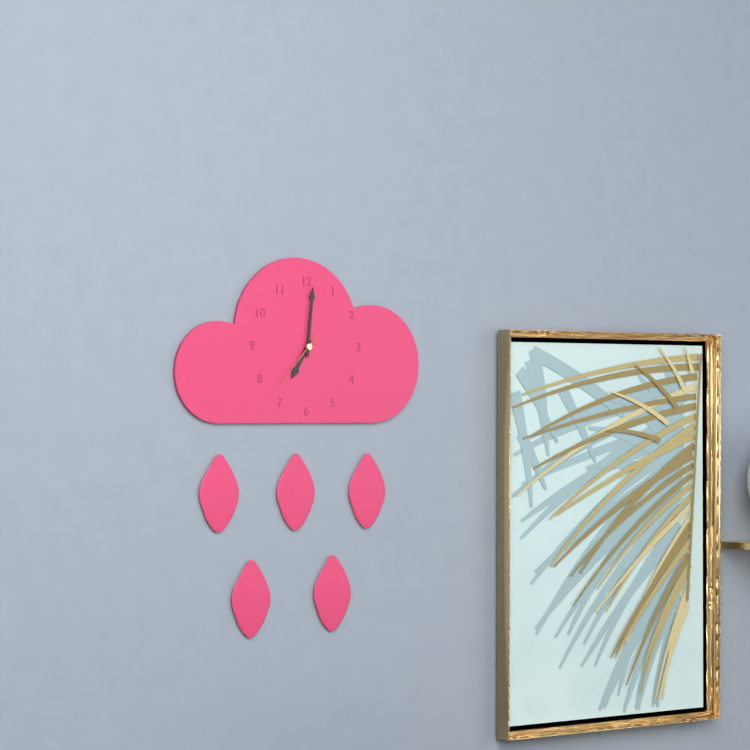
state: 7:01:37
